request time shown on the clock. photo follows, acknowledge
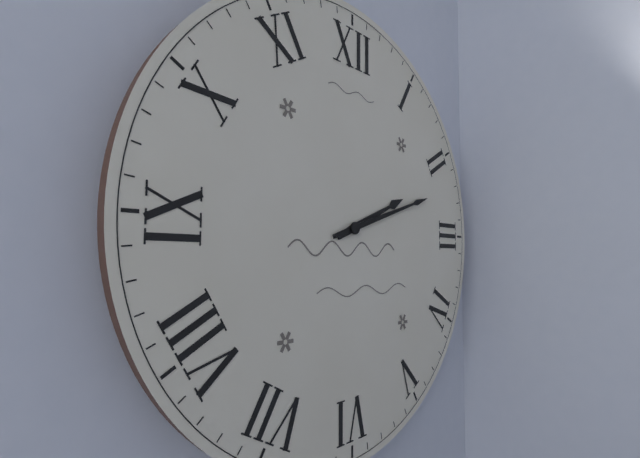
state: 2:12
